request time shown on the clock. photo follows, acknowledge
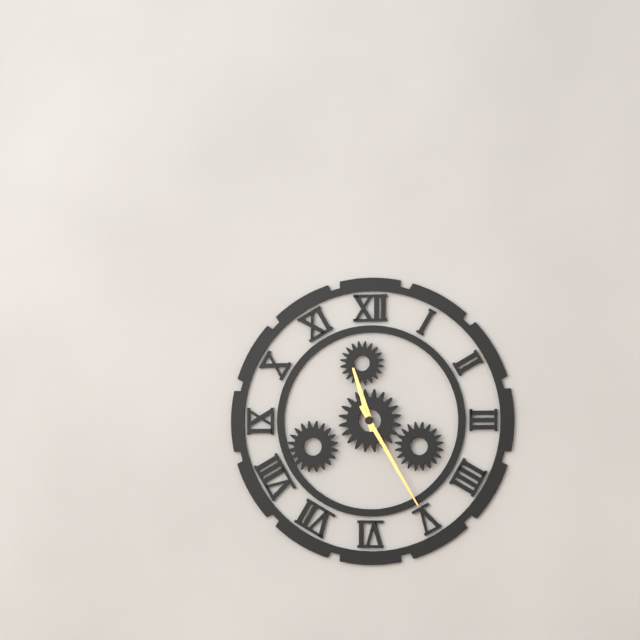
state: 11:25
